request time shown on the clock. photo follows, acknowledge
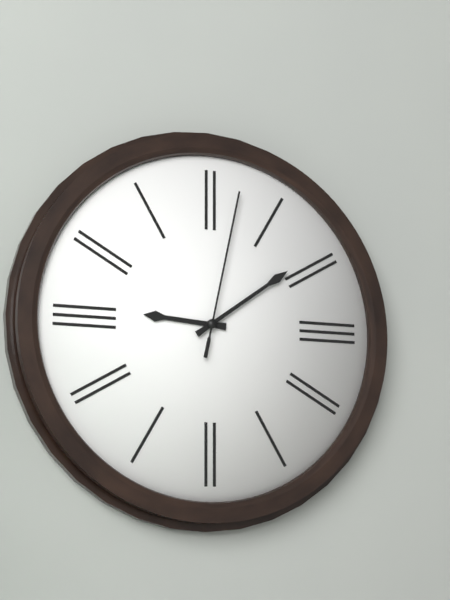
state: 9:09:02
